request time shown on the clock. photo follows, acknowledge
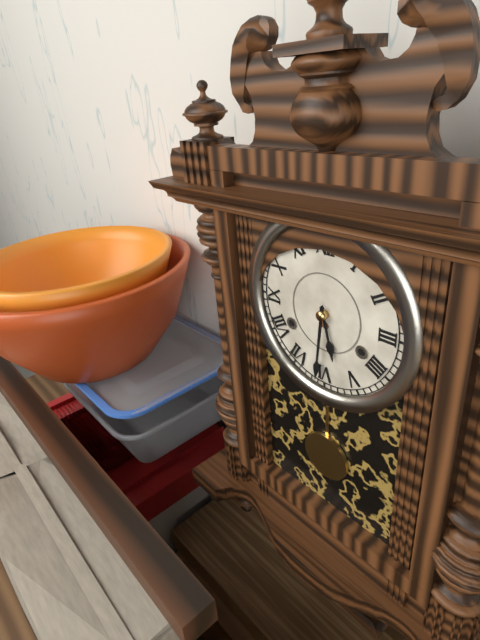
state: 5:31
